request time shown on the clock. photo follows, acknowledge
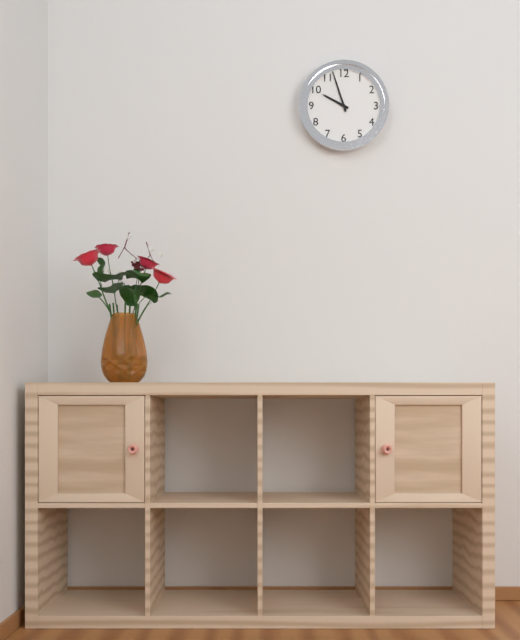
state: 9:57
